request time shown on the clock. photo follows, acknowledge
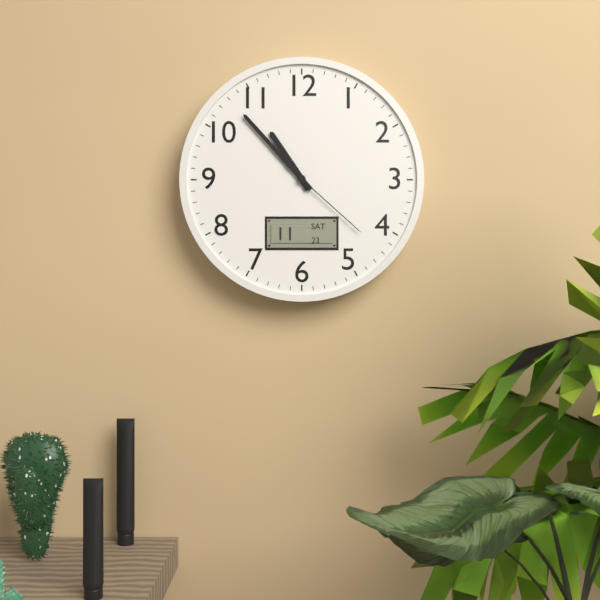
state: 10:53:22
